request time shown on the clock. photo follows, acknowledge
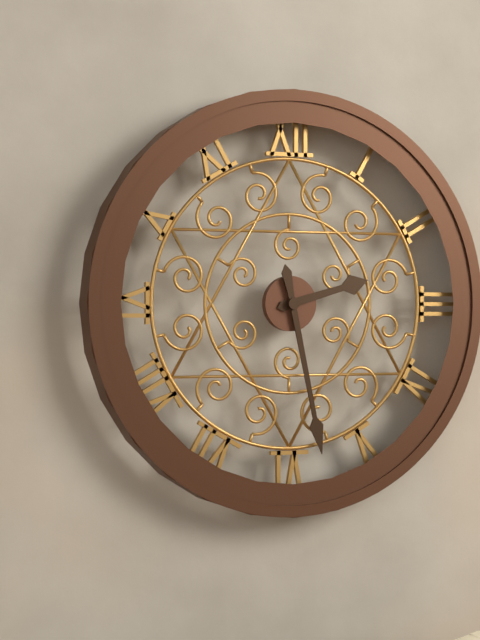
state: 2:28
